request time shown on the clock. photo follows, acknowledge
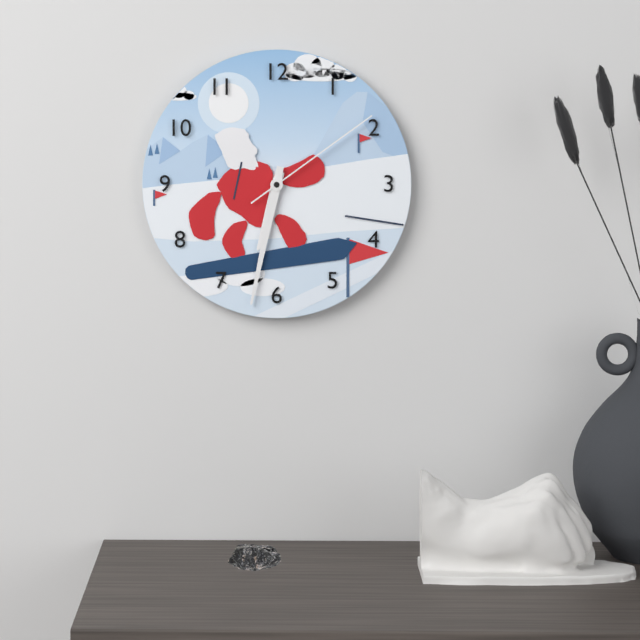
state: 6:32:09
